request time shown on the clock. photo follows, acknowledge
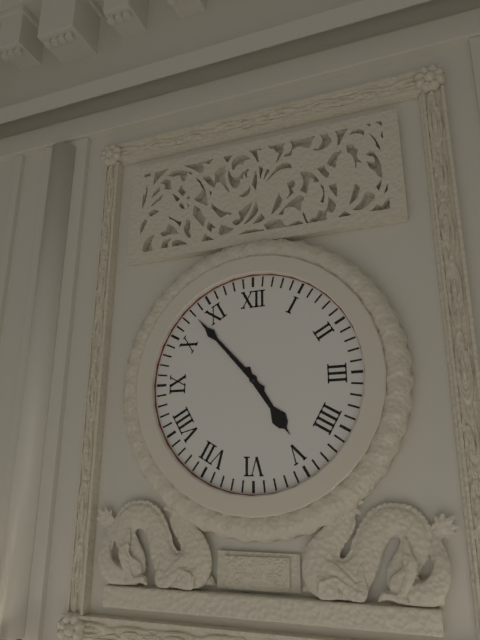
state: 4:53
